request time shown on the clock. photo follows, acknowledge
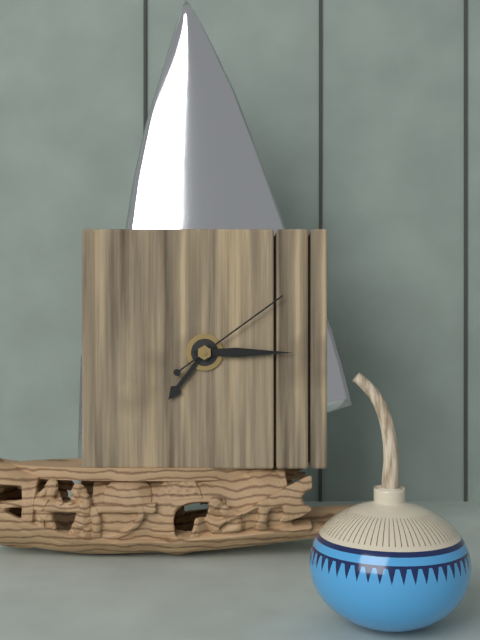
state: 7:15:09
